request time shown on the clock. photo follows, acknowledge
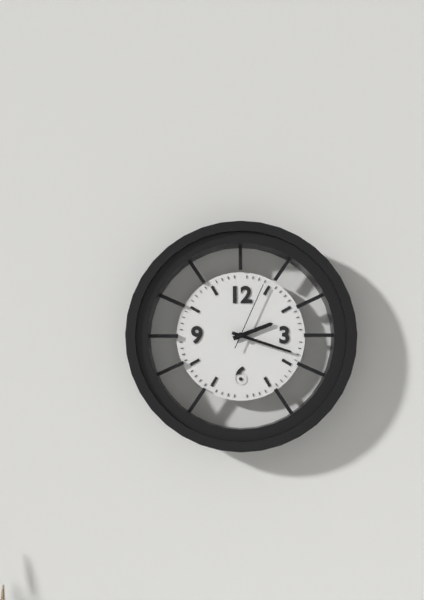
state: 2:18:04
